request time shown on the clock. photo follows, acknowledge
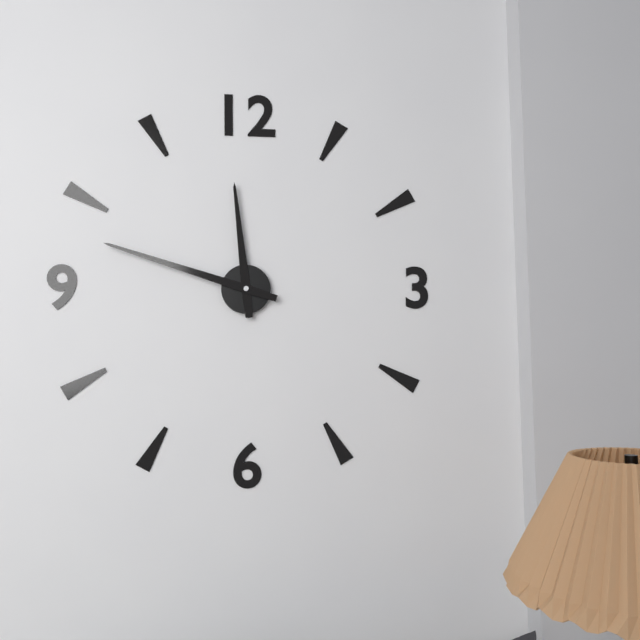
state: 11:48
